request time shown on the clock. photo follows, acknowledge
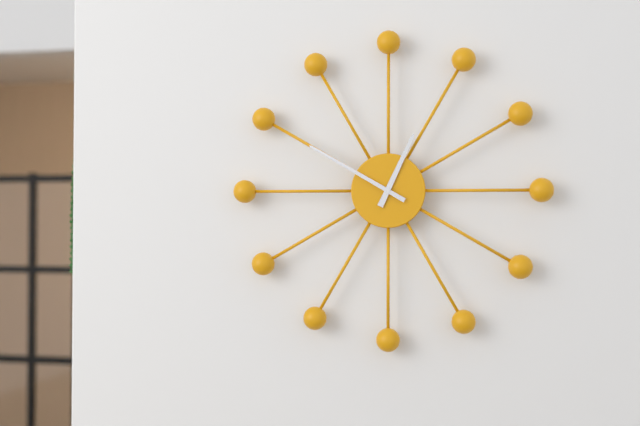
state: 12:50
